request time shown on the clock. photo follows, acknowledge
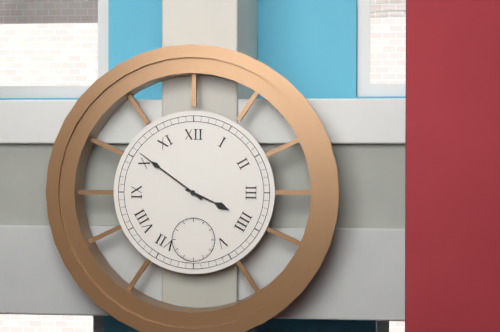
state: 3:51
